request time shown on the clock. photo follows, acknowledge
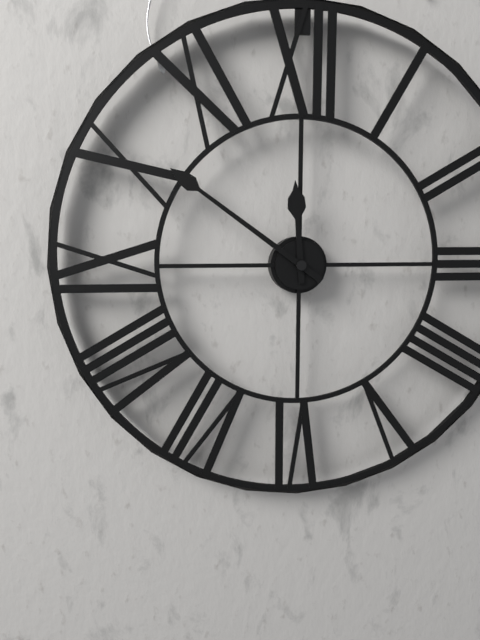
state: 11:51
